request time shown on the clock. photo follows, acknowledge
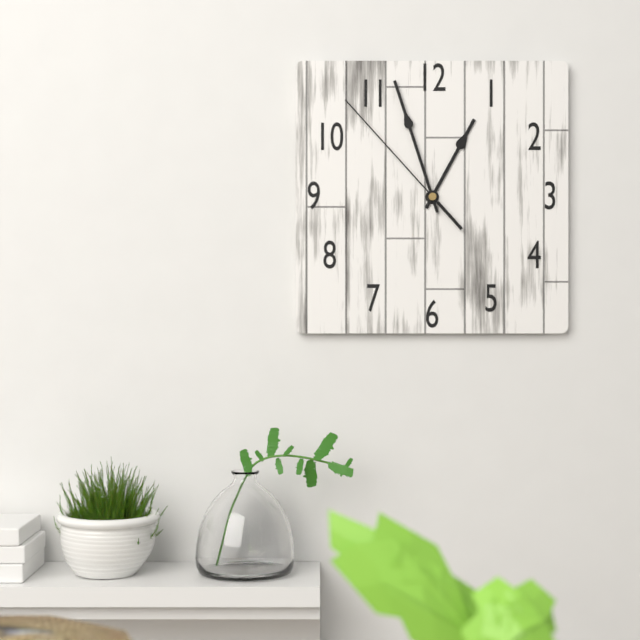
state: 12:57:53
